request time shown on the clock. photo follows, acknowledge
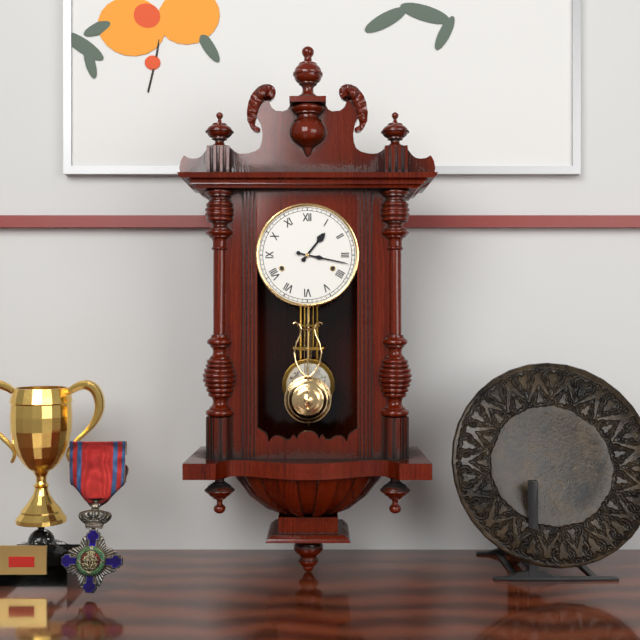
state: 1:17
